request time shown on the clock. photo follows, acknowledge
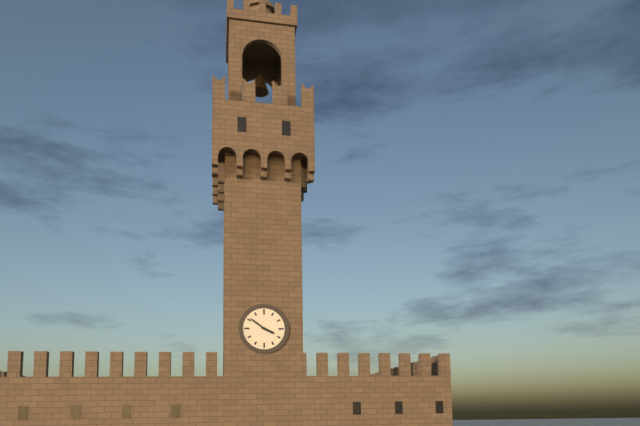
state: 3:51
